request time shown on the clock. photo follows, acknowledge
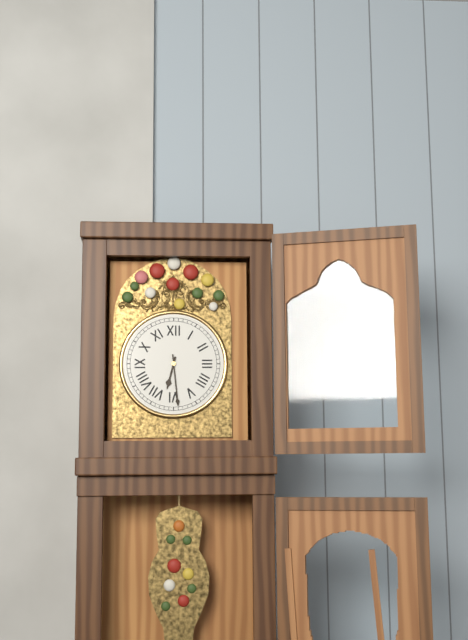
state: 6:29
